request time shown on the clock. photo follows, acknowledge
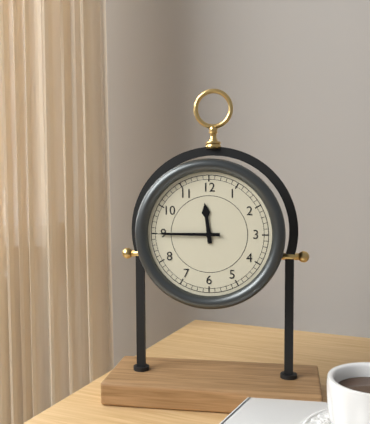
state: 11:45
